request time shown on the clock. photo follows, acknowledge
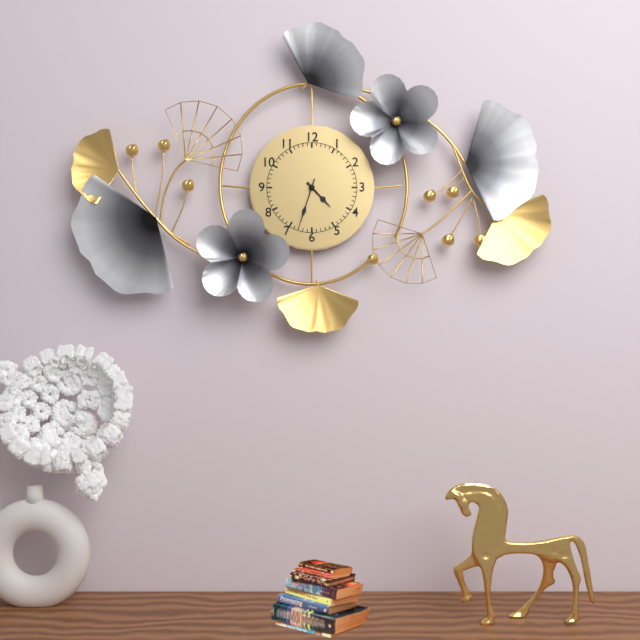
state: 4:33
